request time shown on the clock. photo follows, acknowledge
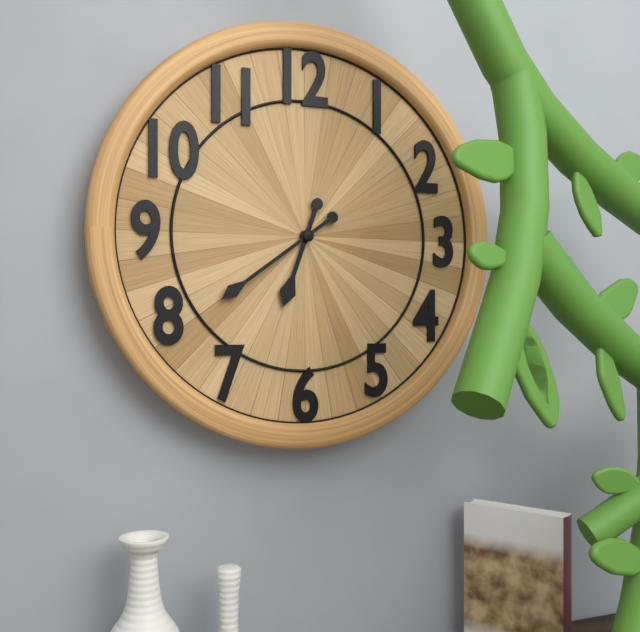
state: 6:39
